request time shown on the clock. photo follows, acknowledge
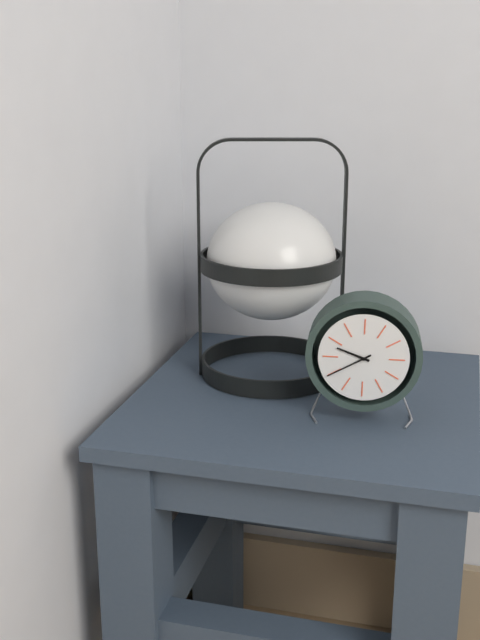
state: 9:40
